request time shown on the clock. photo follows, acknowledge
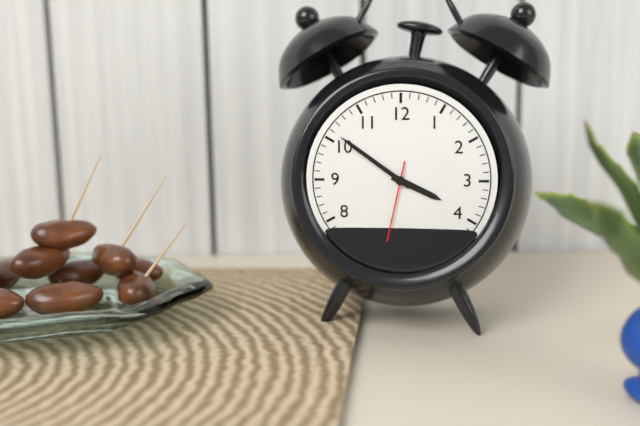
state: 3:51:32
